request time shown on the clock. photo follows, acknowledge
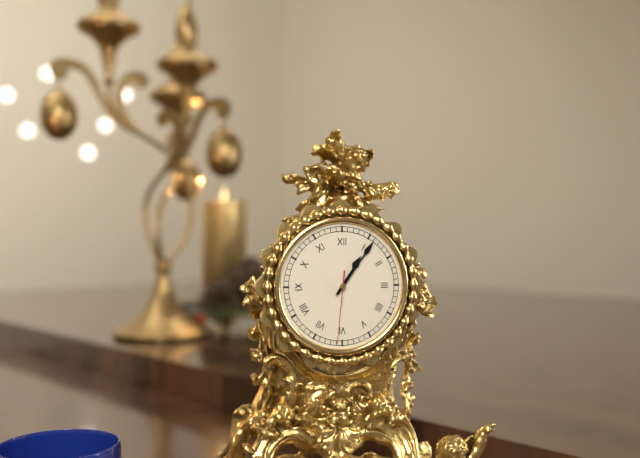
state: 1:06:31
